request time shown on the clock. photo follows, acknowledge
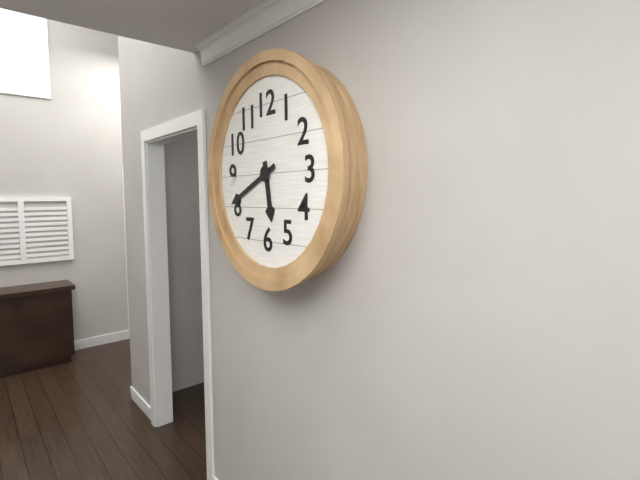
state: 5:41
